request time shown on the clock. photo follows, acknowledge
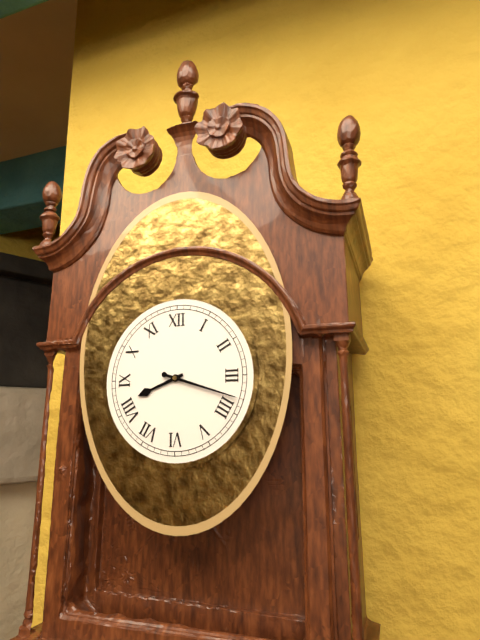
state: 8:18
